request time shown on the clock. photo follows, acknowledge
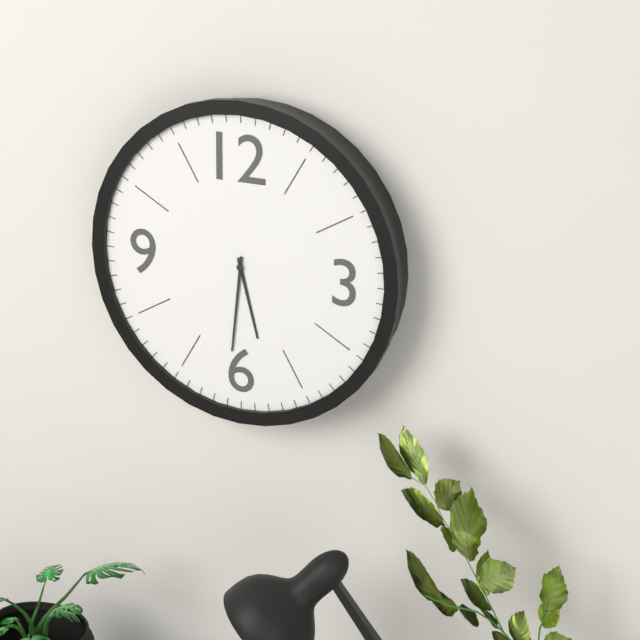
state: 5:31
